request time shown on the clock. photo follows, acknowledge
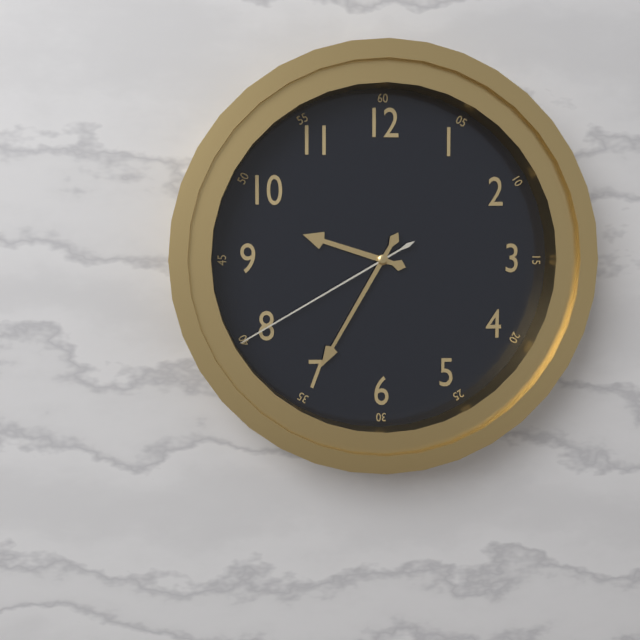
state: 9:35:40
